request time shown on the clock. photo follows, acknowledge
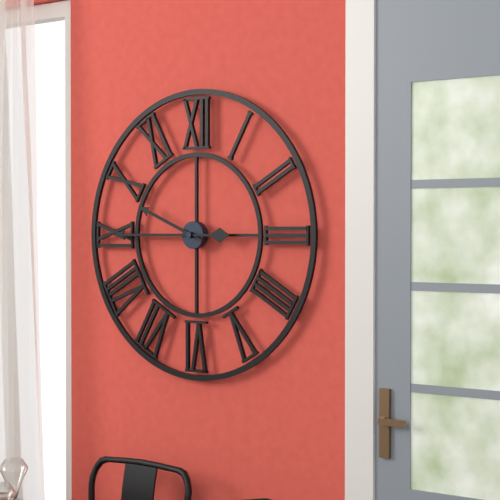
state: 9:45
